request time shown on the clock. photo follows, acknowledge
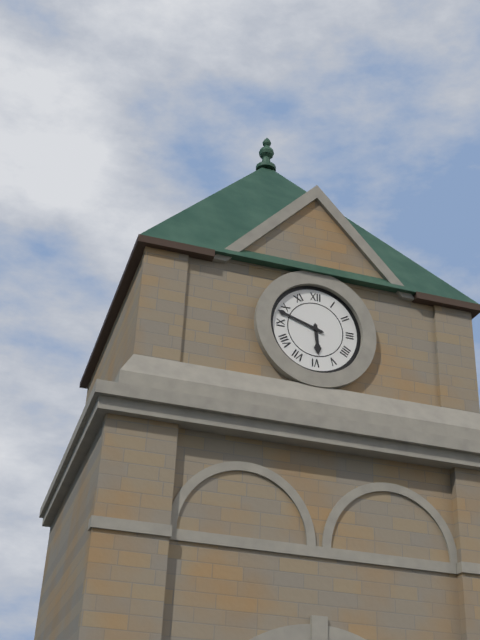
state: 5:48
